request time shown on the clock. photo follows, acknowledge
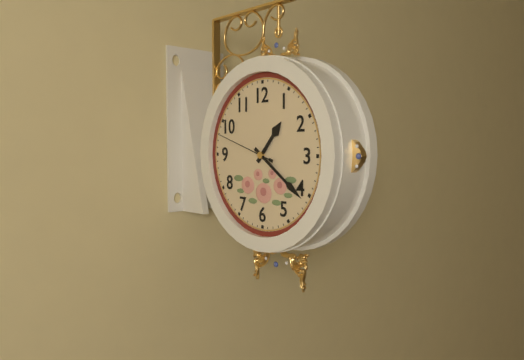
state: 1:21:48
